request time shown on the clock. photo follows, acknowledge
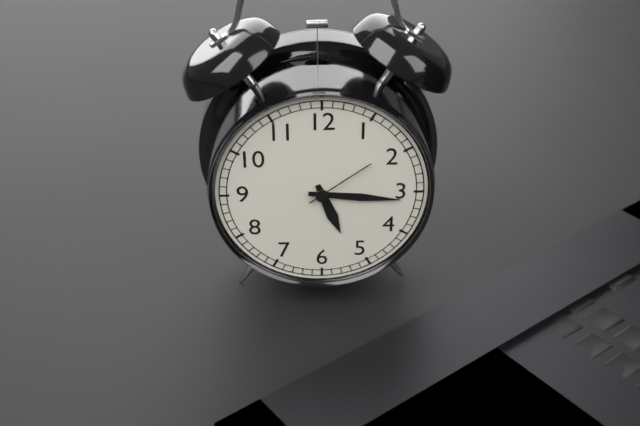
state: 5:16:09
